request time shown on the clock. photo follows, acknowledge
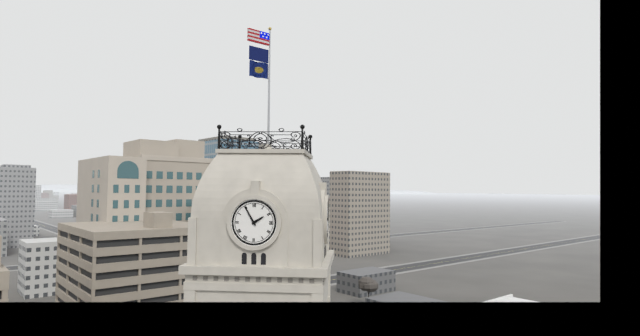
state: 1:55
